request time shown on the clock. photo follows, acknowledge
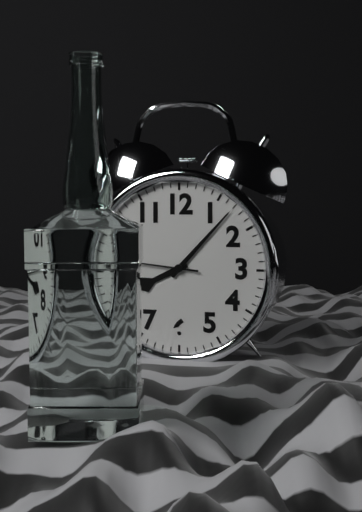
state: 8:07:46
